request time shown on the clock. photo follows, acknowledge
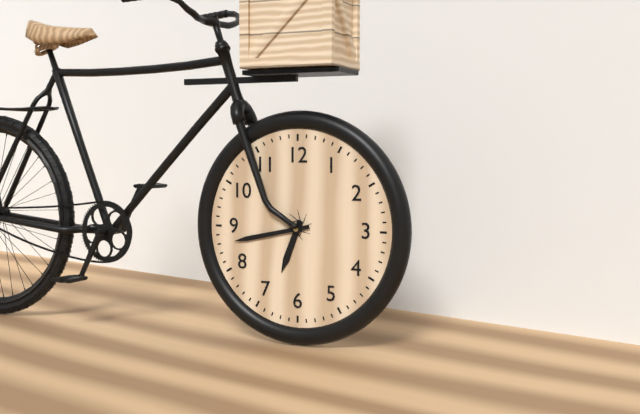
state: 6:43
